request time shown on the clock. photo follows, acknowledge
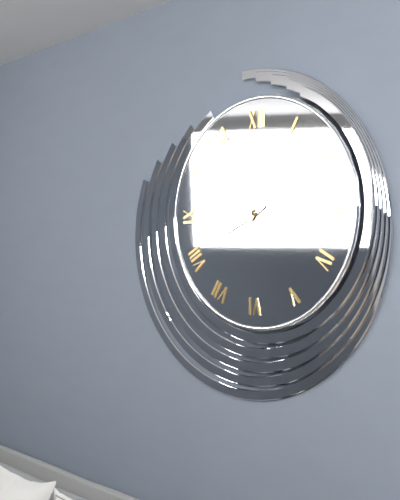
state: 8:06
